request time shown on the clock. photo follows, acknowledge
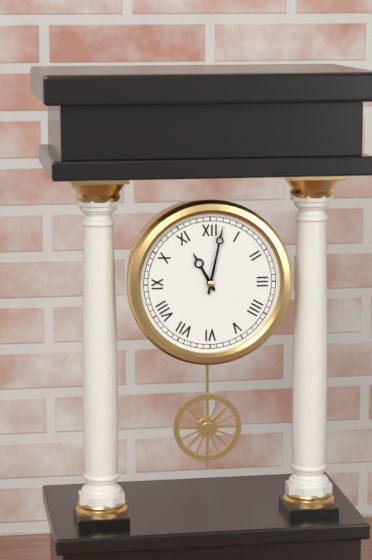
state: 11:02
